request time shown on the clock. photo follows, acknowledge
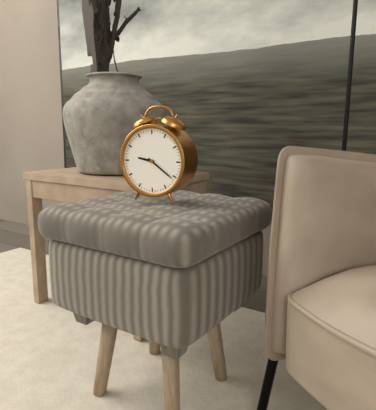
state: 9:21
